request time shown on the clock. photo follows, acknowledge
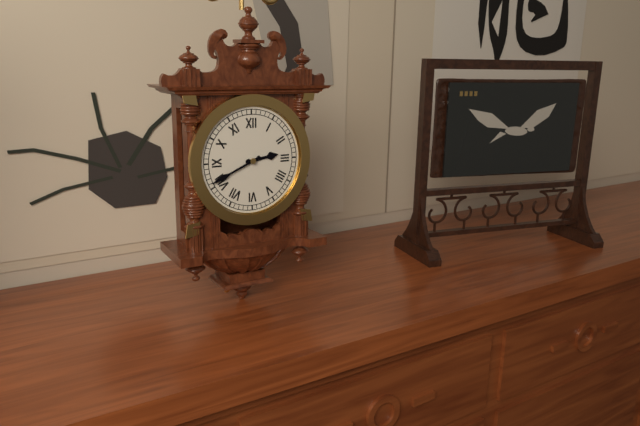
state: 2:41
